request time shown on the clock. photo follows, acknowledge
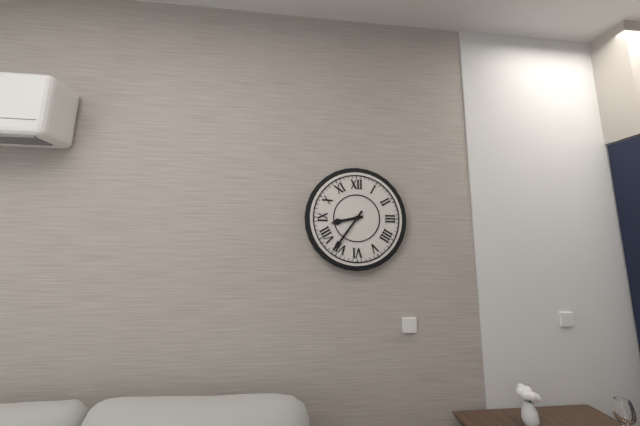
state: 8:36
